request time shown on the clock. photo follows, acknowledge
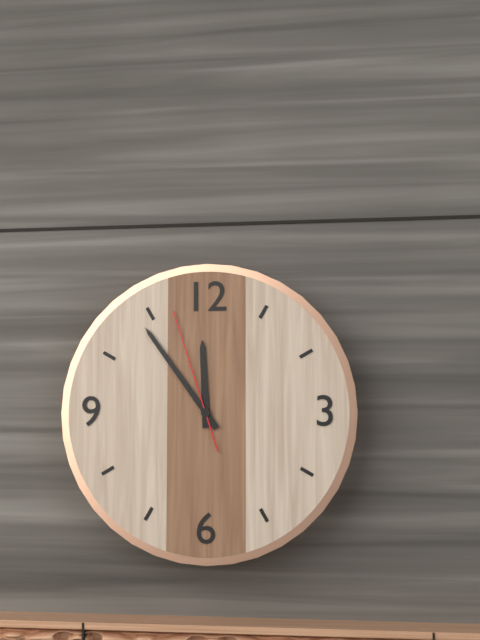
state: 11:54:57
